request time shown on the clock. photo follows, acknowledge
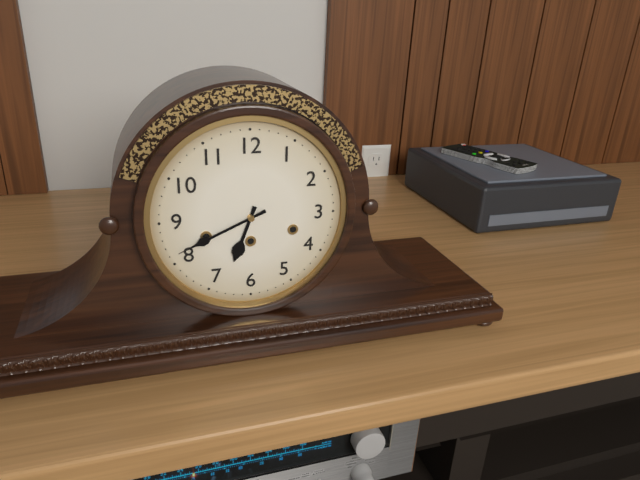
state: 6:41
